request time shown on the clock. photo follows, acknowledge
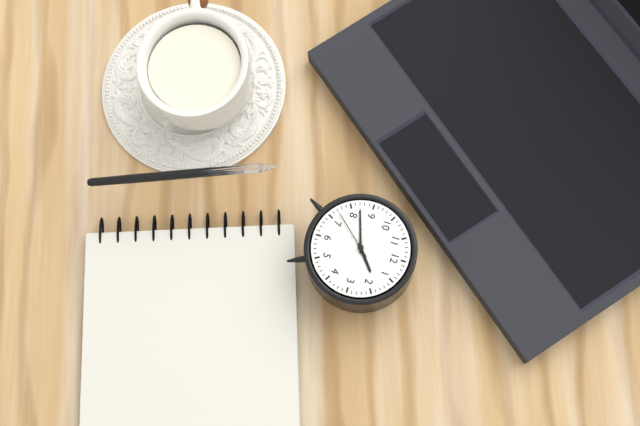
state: 1:42:37
